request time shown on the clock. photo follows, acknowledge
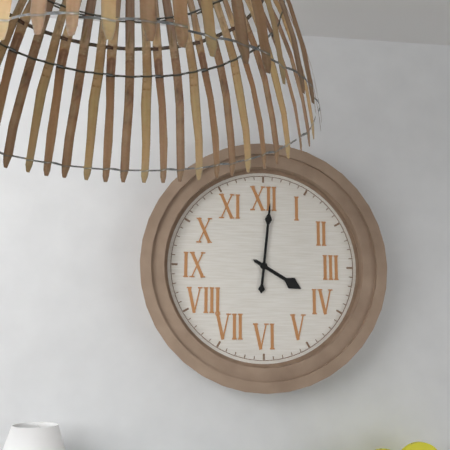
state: 4:01
